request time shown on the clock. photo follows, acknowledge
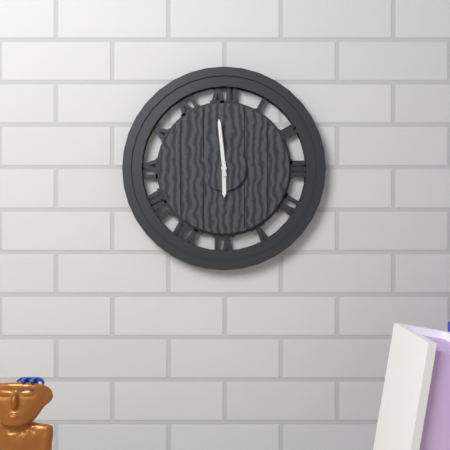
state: 5:59
